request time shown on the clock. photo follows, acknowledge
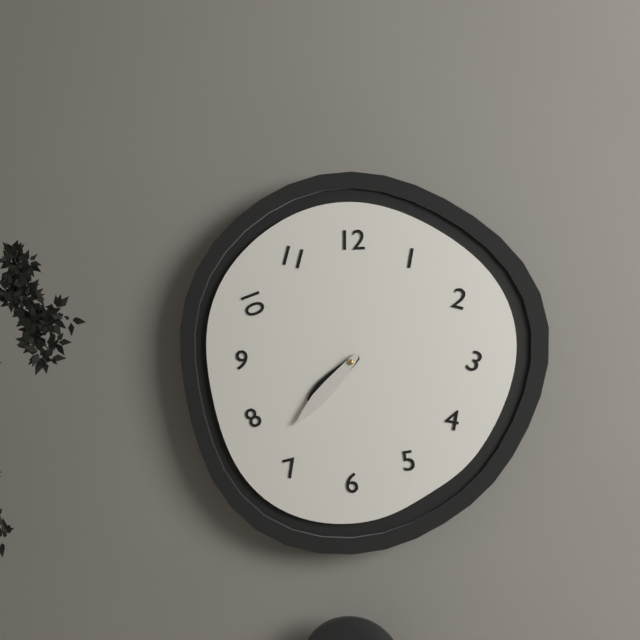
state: 7:37
